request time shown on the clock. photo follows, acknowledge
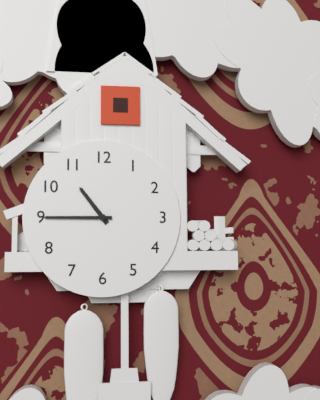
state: 10:45
